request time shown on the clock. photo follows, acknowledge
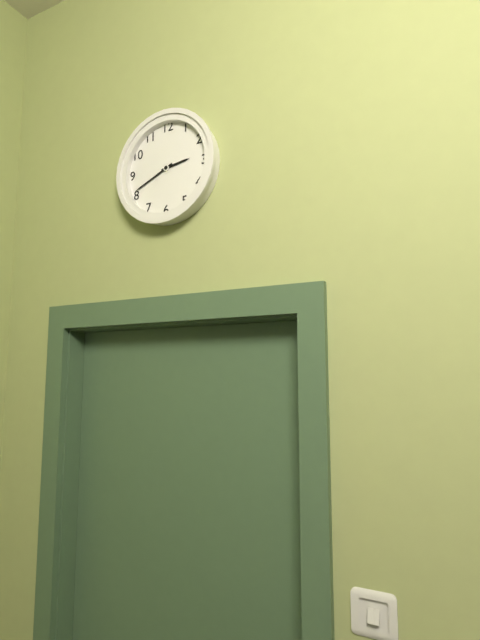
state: 2:41
